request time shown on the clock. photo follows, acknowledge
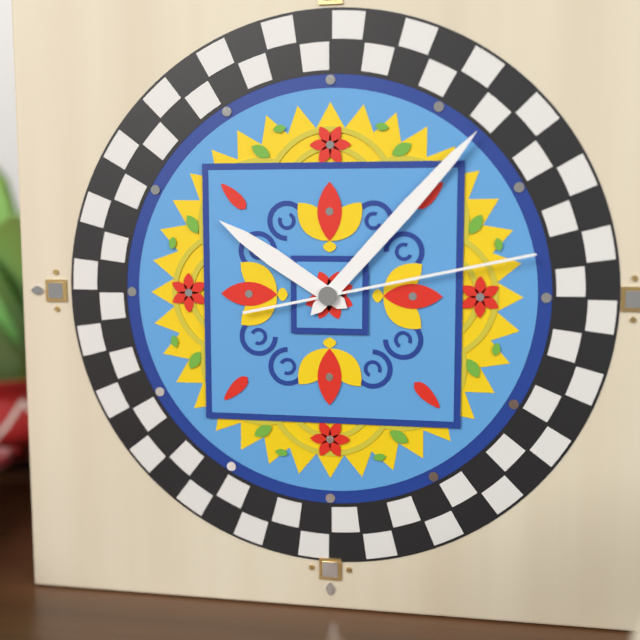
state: 10:07:13
